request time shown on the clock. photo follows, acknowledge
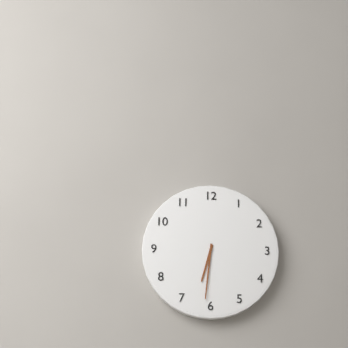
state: 6:31
